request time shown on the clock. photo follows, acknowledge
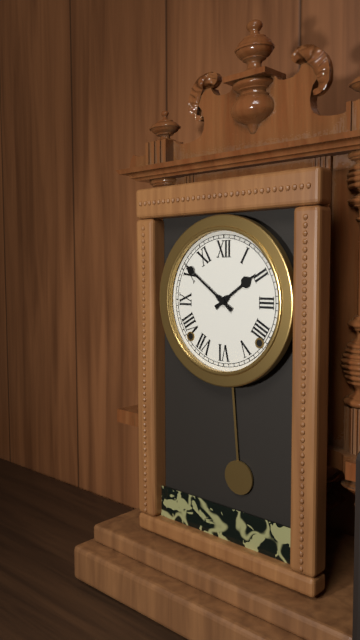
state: 1:51
